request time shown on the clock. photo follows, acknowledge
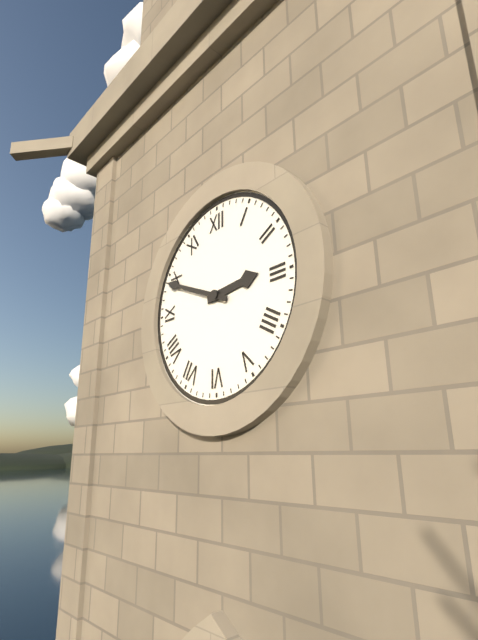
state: 2:49
